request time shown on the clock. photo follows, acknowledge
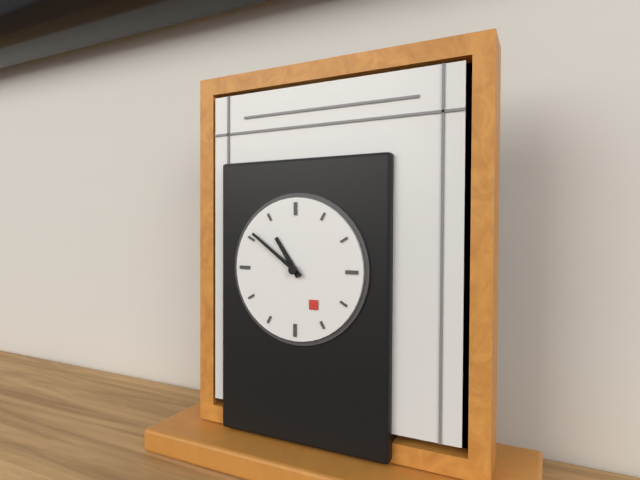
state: 10:51
